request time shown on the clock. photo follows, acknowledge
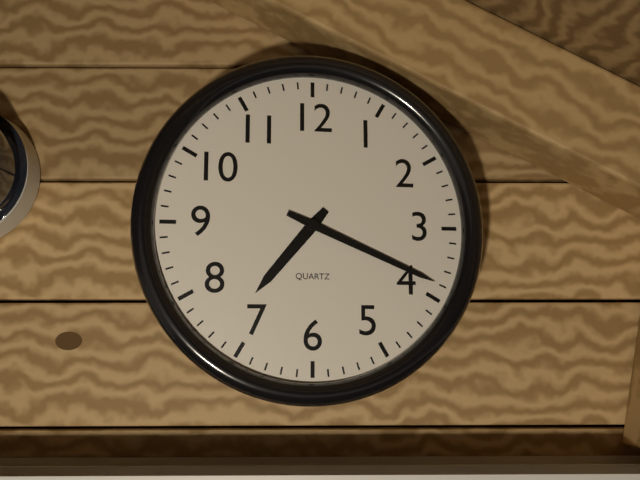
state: 7:19
